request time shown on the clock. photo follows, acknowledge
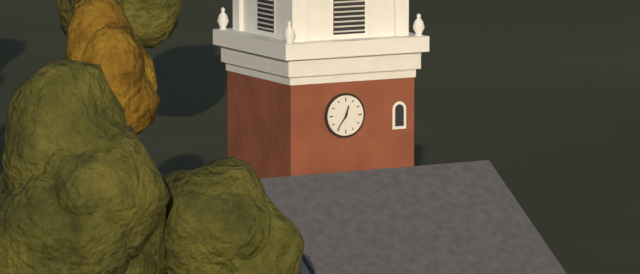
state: 12:36
